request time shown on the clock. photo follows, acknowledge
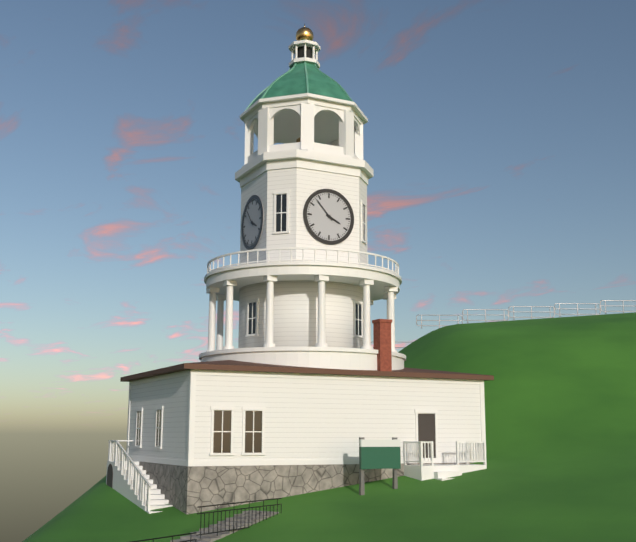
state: 3:53
